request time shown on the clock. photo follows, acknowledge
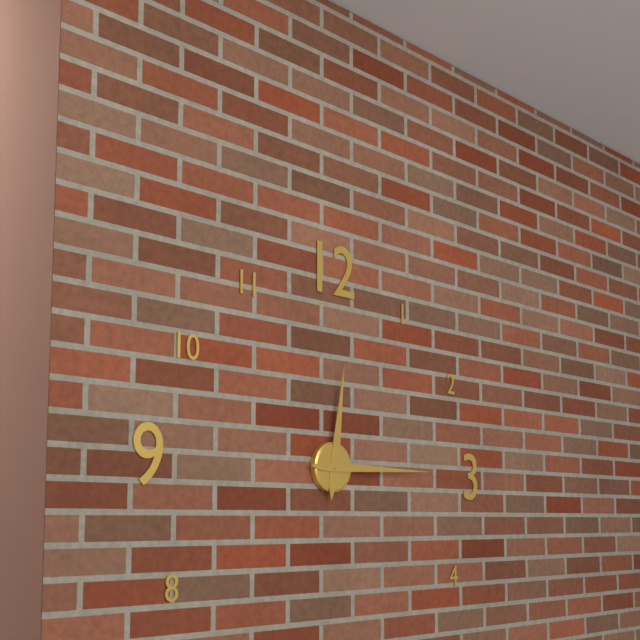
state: 12:15
